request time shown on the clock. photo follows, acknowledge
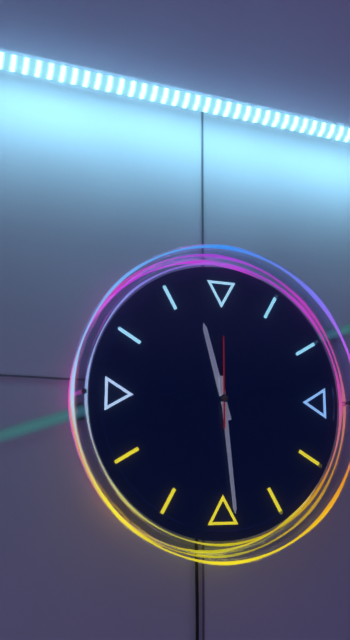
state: 11:29:00
